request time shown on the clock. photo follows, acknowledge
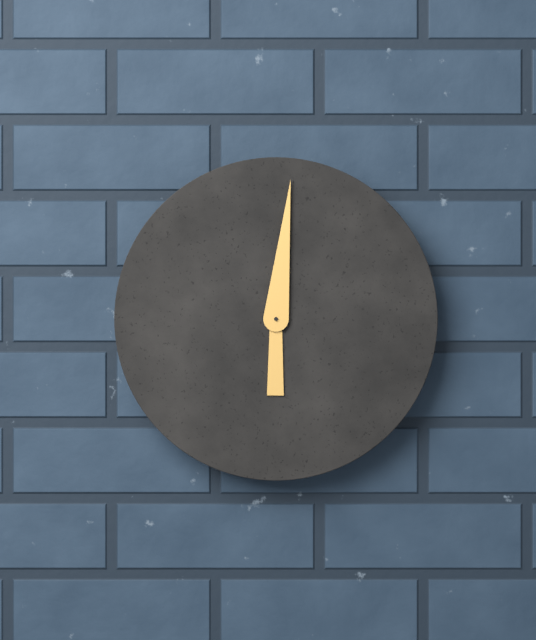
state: 6:01
